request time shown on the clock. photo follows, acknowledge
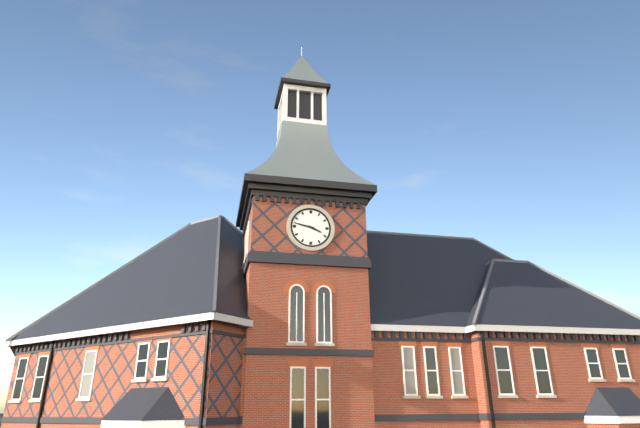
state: 3:47
